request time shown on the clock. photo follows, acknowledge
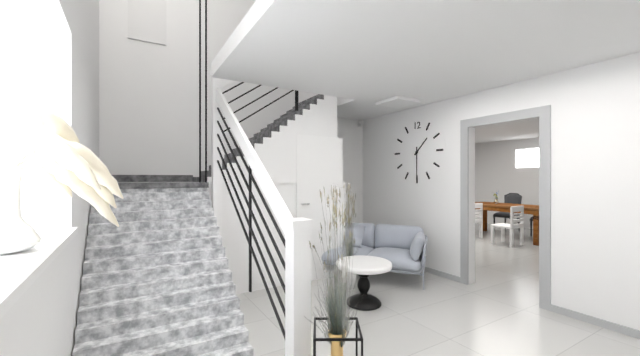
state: 1:30
